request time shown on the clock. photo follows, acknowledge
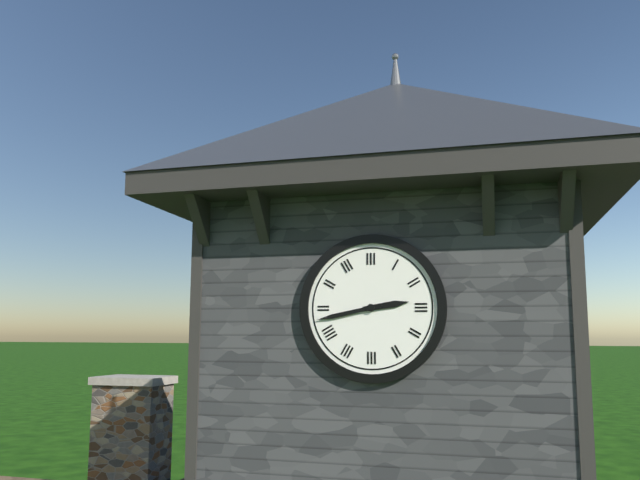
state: 2:43
